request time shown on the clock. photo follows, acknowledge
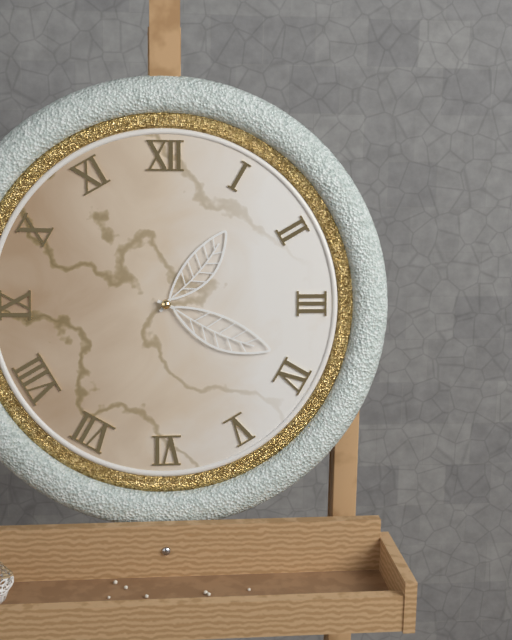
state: 1:19
